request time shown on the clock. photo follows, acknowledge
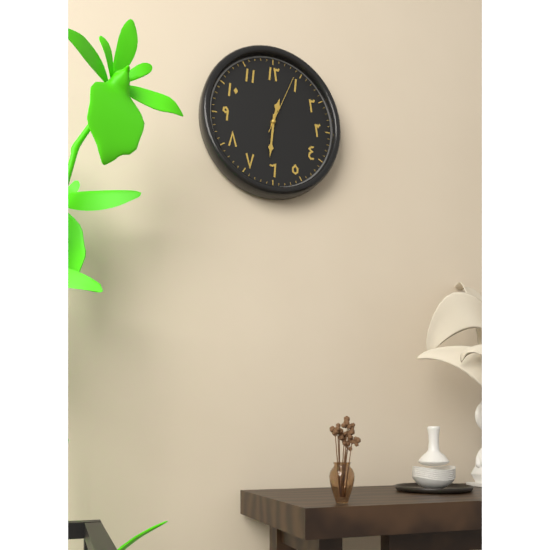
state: 12:31:04
